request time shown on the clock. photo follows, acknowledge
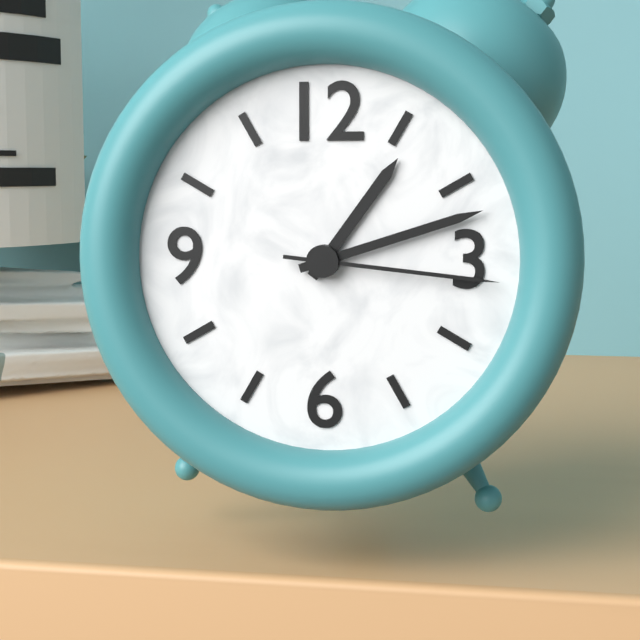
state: 1:12:16
